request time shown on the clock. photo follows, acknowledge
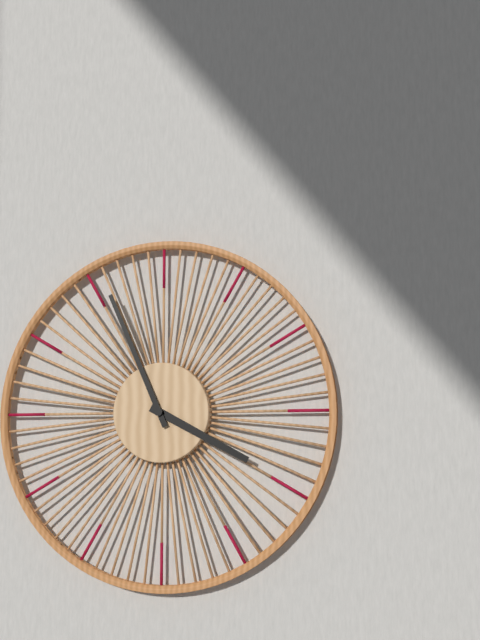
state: 3:56
